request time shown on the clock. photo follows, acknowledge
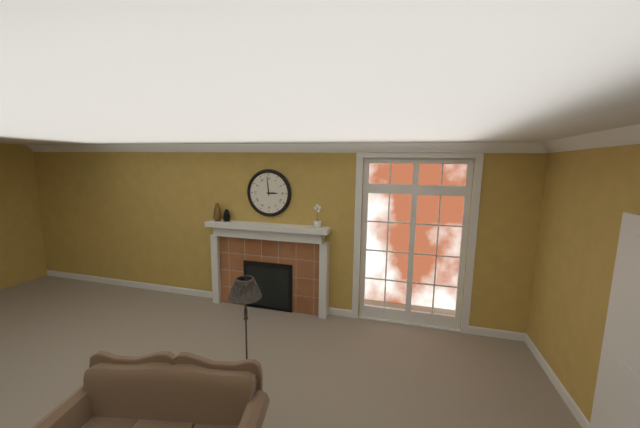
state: 2:59
